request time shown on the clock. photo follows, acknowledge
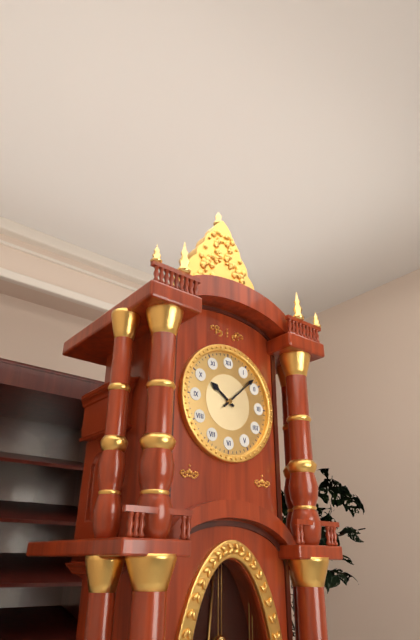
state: 10:08
